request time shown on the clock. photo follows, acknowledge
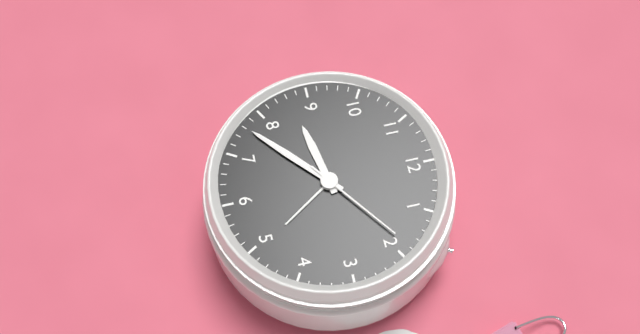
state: 8:38:09
